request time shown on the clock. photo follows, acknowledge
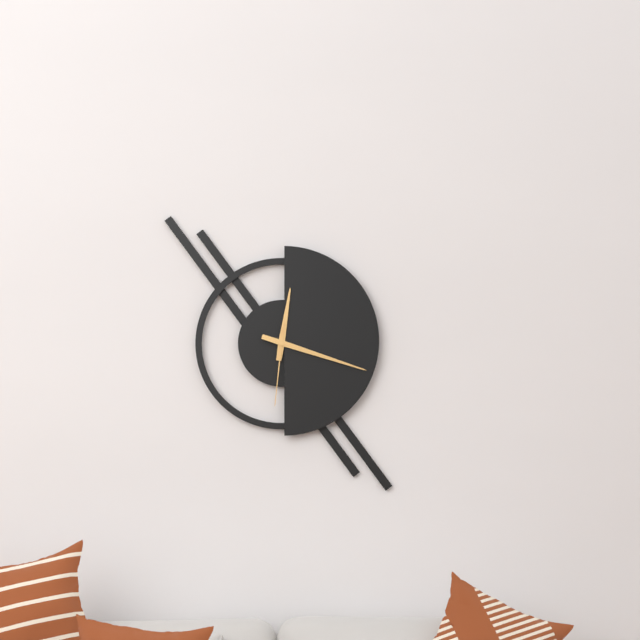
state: 12:18:31
